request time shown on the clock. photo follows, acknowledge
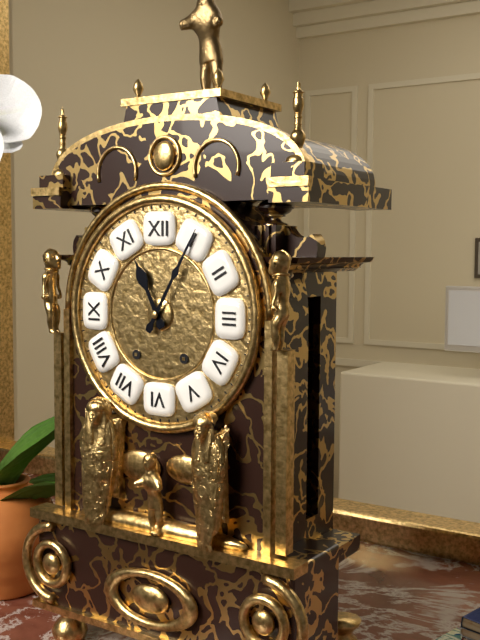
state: 11:05
